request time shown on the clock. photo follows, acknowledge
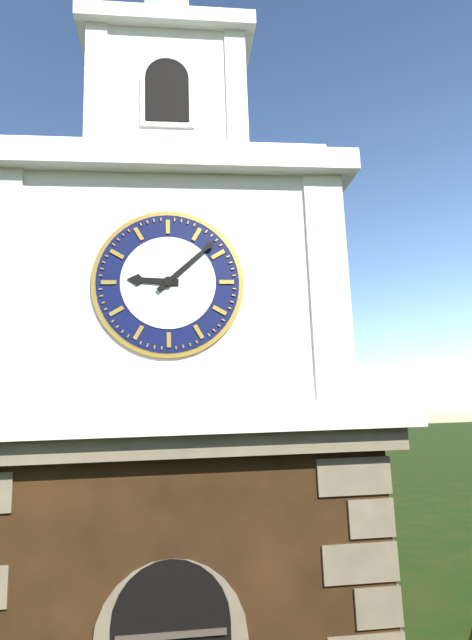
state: 9:08
